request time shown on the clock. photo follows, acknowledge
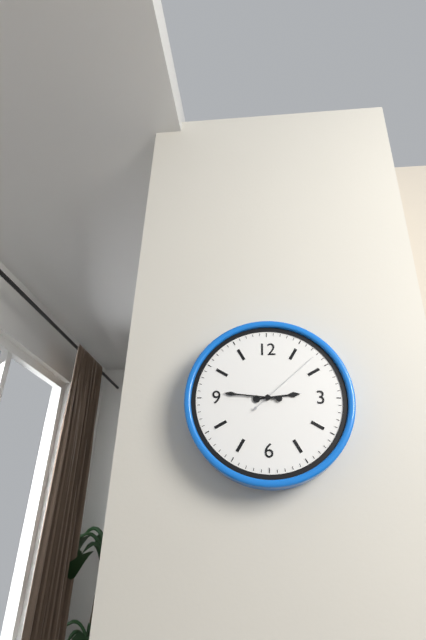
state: 2:46:08
